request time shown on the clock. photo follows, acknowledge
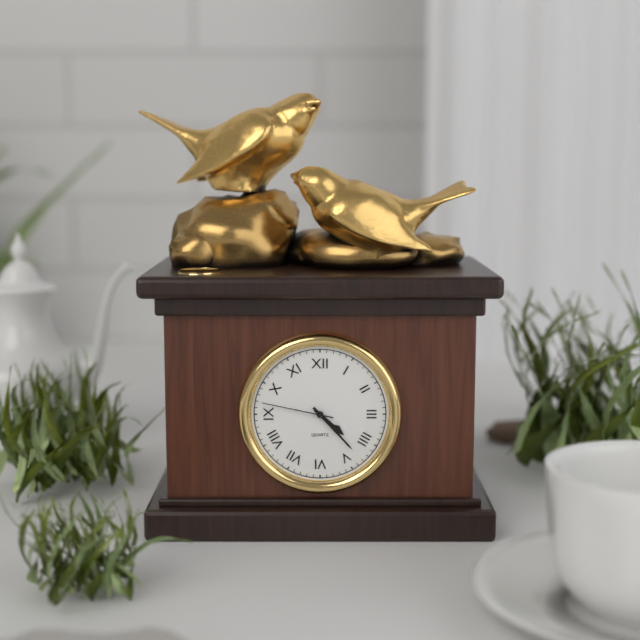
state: 4:23:47
